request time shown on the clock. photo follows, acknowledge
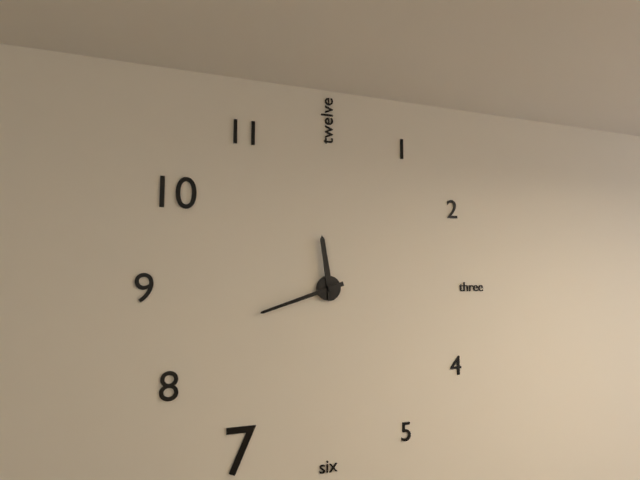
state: 11:42
